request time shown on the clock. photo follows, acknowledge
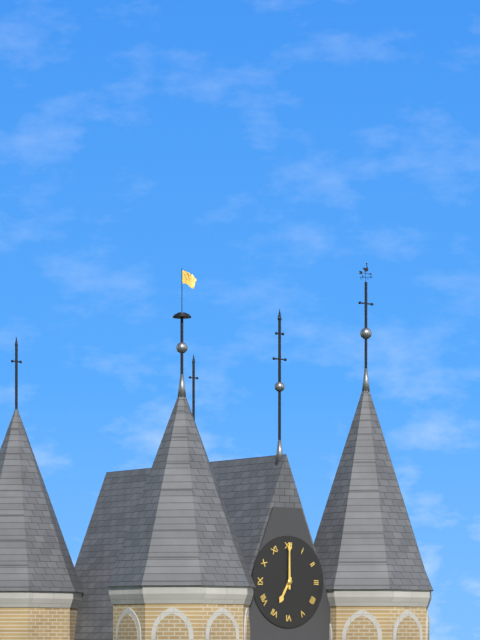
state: 7:00
